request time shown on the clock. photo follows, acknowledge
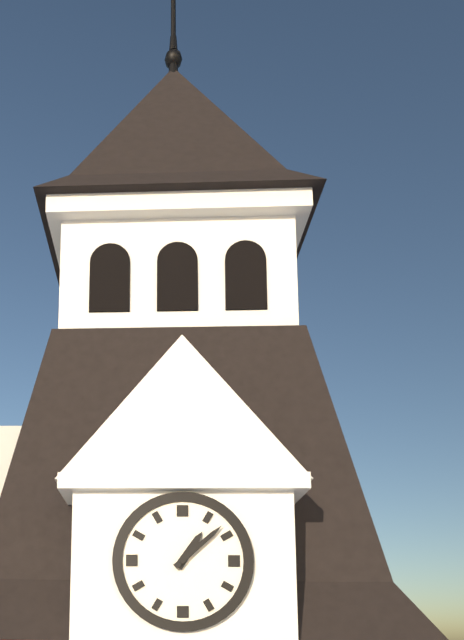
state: 1:08
